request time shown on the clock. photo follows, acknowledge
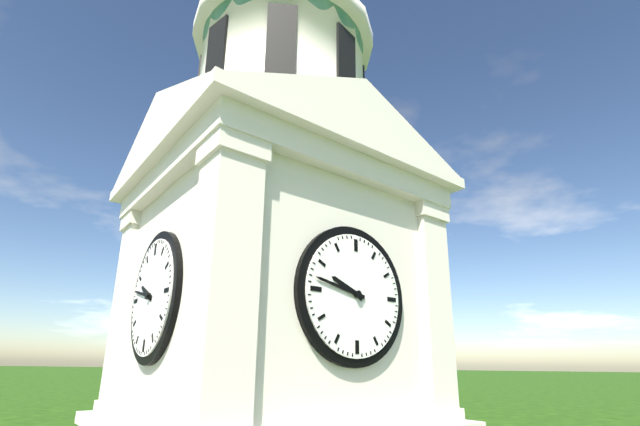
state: 9:47
